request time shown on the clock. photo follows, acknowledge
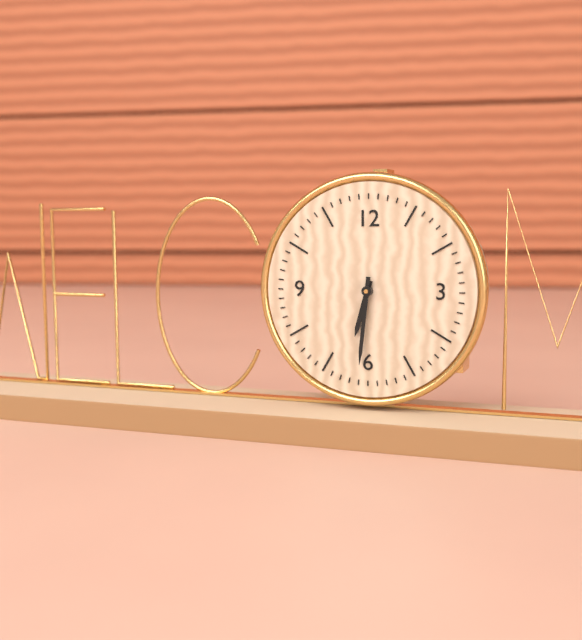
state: 6:31
